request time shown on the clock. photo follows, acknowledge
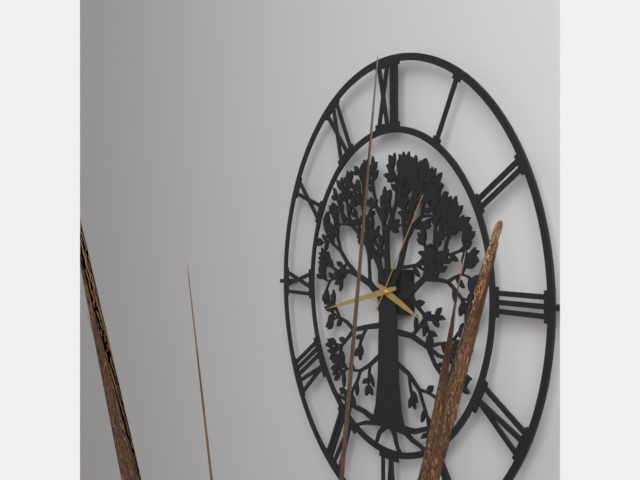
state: 3:43:06
